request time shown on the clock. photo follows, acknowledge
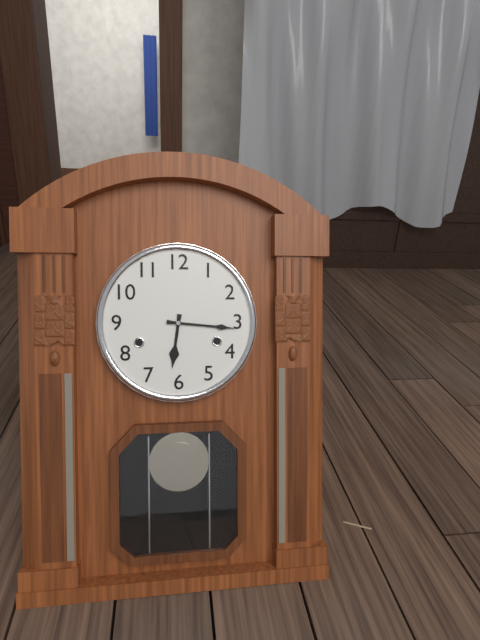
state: 6:16
